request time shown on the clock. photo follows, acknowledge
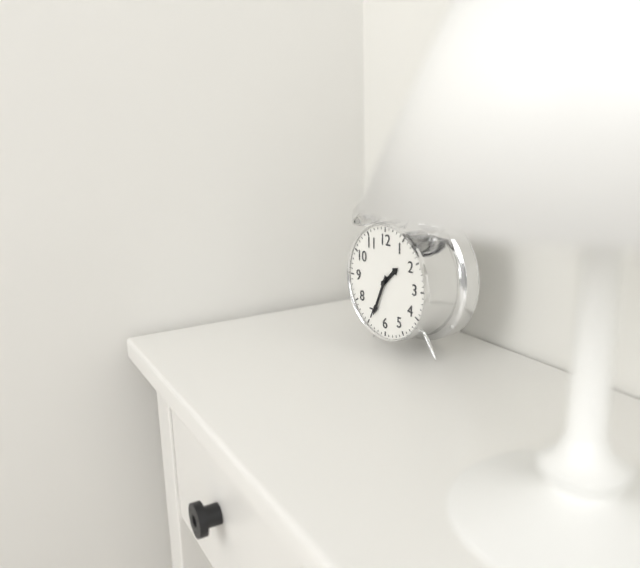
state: 1:34
